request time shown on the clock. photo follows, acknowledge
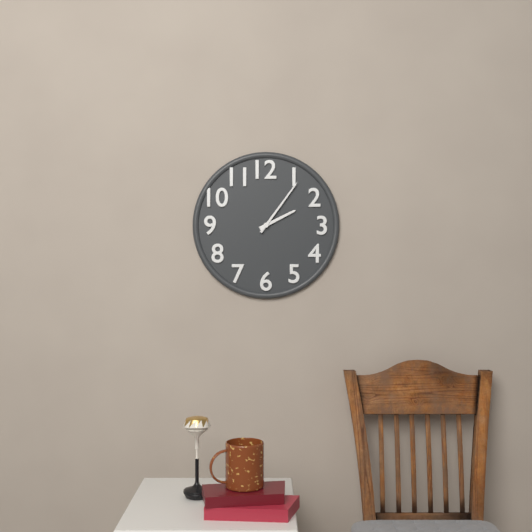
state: 2:06
